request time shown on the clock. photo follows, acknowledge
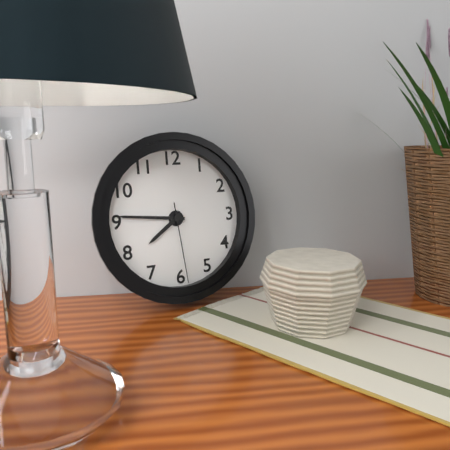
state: 7:46:29
